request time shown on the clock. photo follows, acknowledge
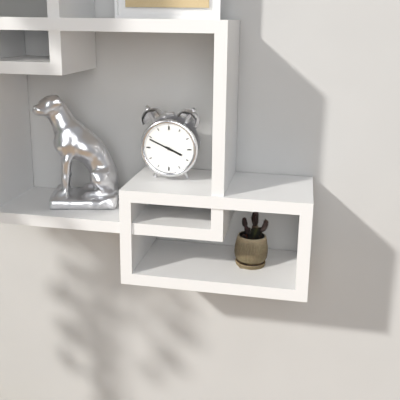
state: 3:49
